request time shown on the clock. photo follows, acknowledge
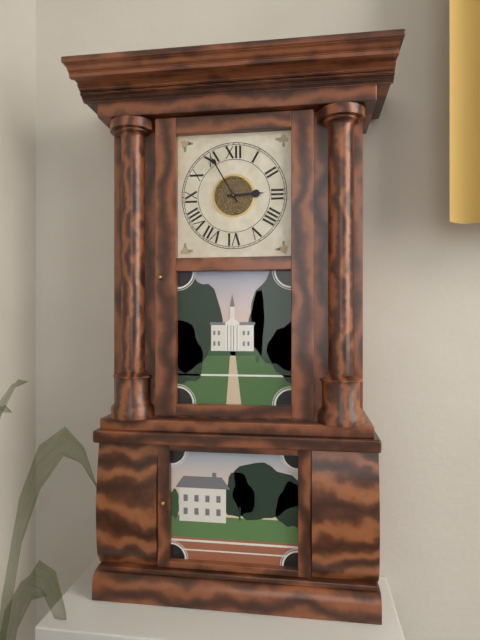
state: 2:55
